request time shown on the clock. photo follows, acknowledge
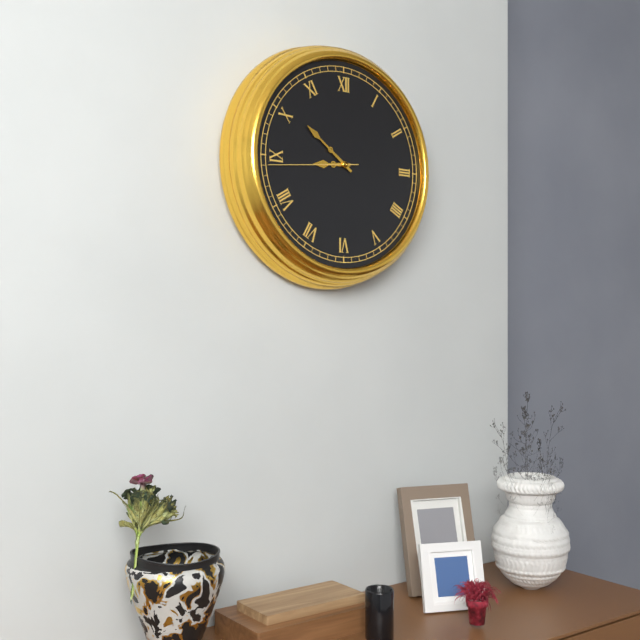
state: 8:51:44
